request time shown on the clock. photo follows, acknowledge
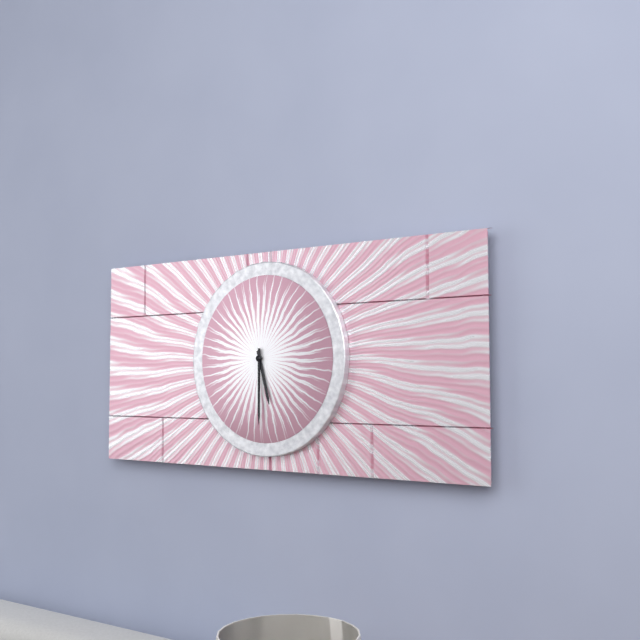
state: 5:30
